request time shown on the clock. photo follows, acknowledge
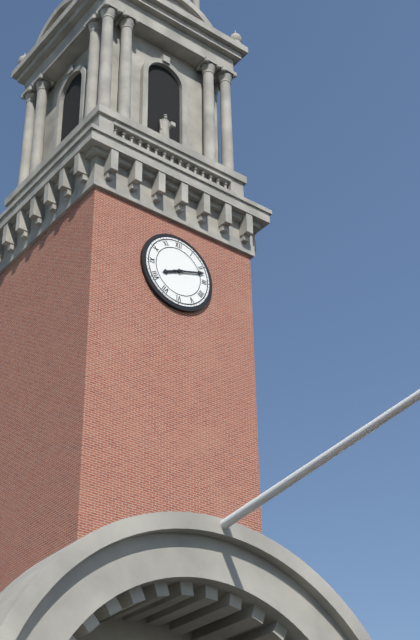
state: 8:12
